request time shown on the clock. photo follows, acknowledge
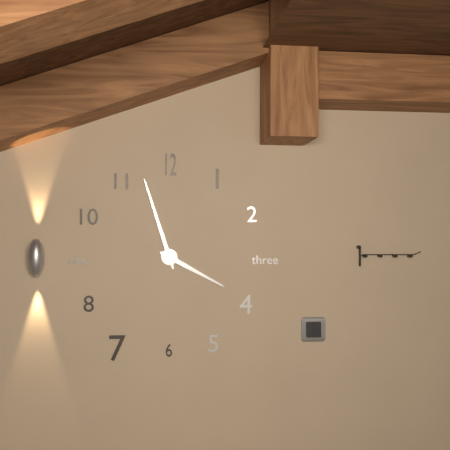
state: 3:57
